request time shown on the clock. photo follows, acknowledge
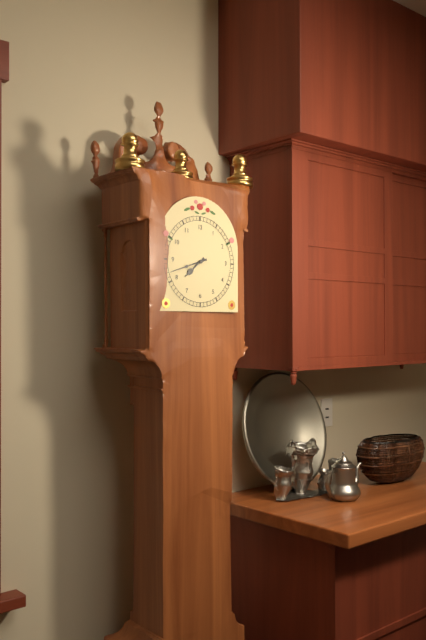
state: 7:42
